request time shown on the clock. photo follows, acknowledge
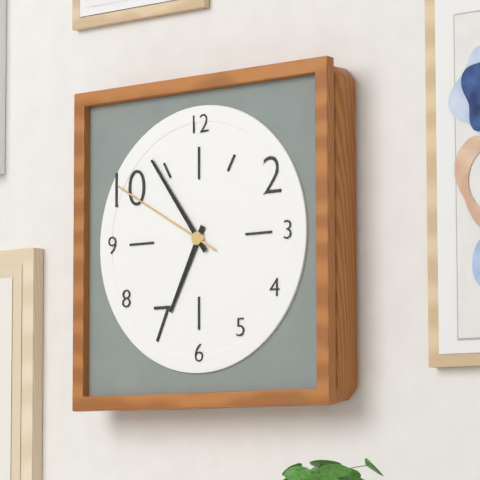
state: 6:54:50
